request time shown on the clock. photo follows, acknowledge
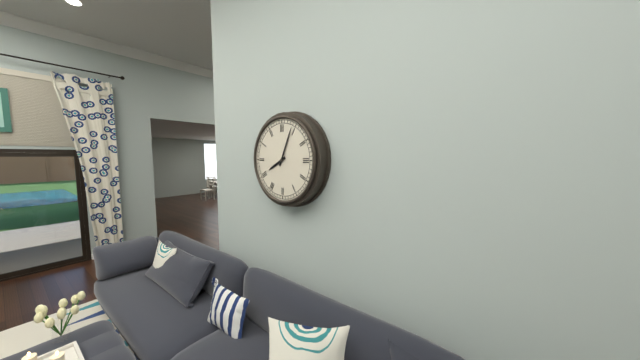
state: 8:04
